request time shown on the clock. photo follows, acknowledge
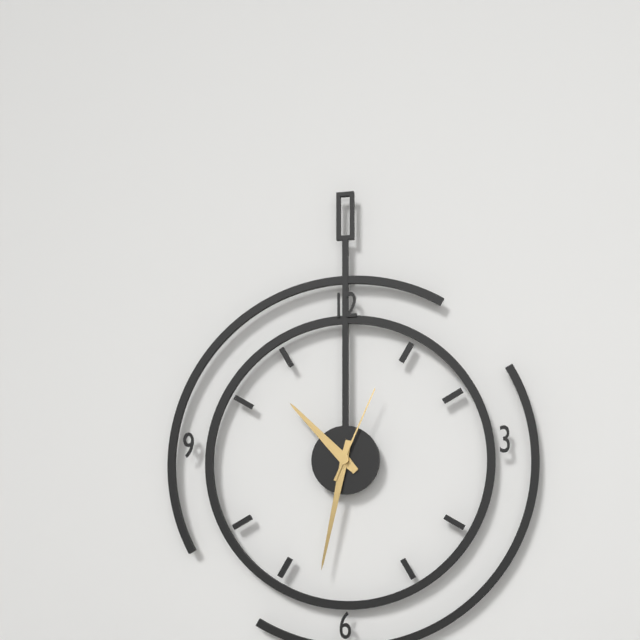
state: 10:32:04
